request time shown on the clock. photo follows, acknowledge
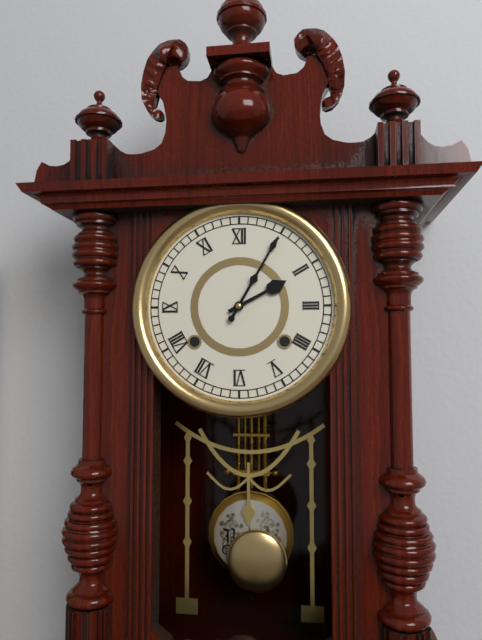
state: 2:05
